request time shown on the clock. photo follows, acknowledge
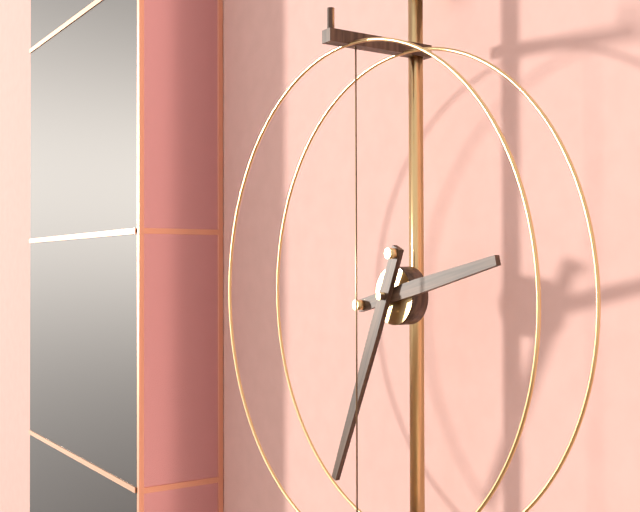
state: 2:34
